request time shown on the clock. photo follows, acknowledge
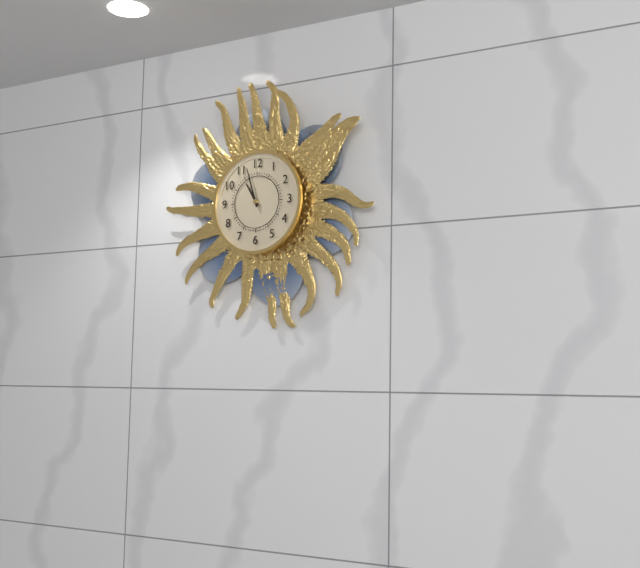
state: 10:57
